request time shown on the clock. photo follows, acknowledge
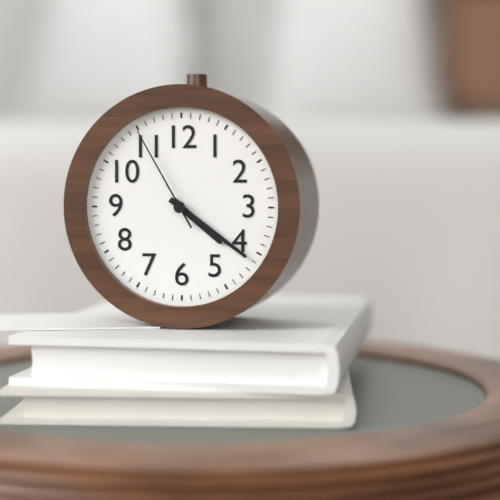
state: 4:21:55
